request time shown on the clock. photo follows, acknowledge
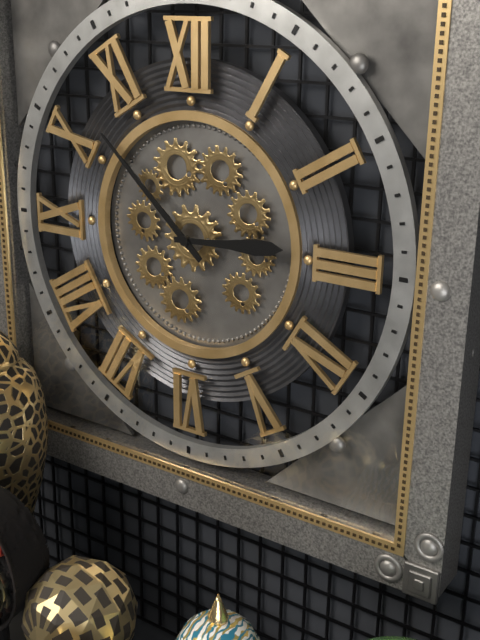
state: 2:52
